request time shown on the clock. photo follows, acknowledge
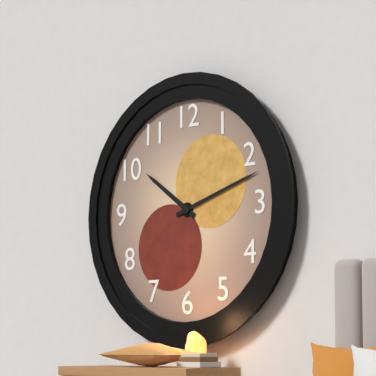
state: 10:12
